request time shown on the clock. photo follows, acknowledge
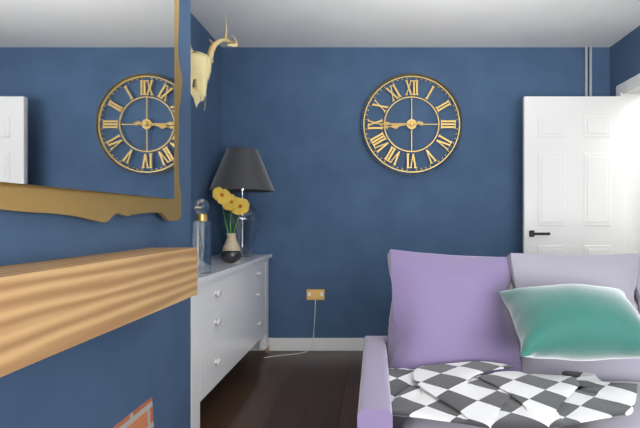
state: 8:45
